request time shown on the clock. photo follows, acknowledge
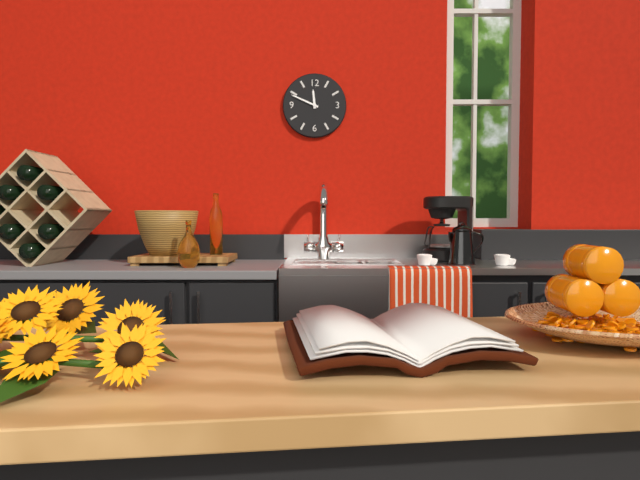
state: 11:49
